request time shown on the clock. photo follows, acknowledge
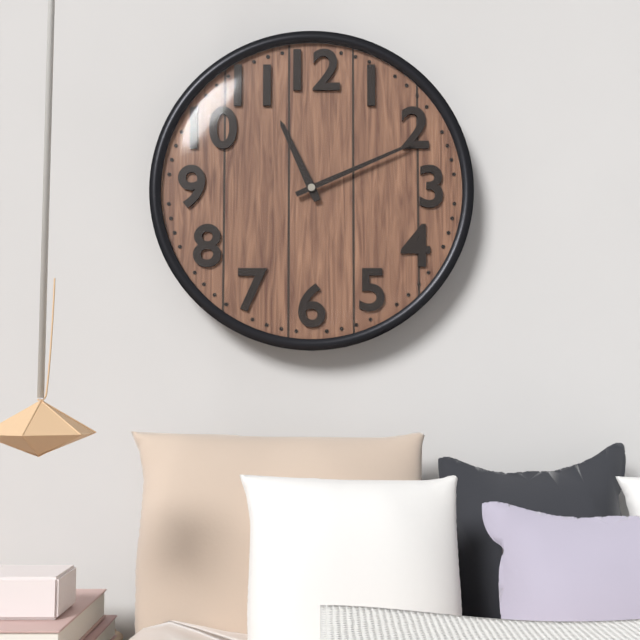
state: 11:11
